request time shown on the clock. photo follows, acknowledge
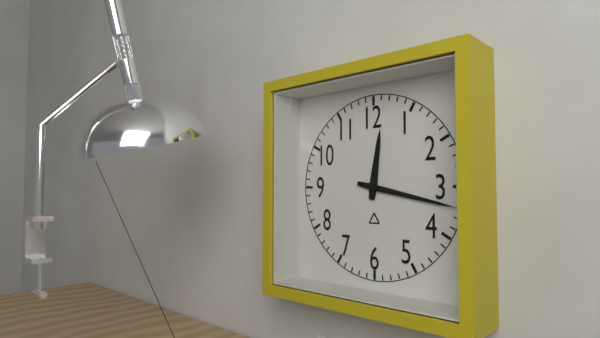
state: 12:17
